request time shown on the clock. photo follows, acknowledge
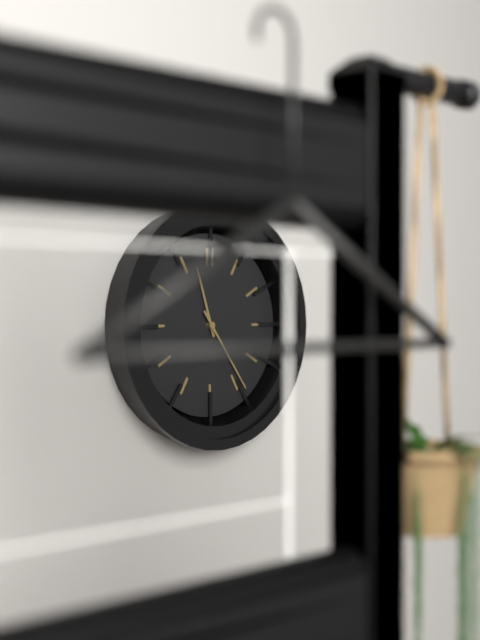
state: 11:24
